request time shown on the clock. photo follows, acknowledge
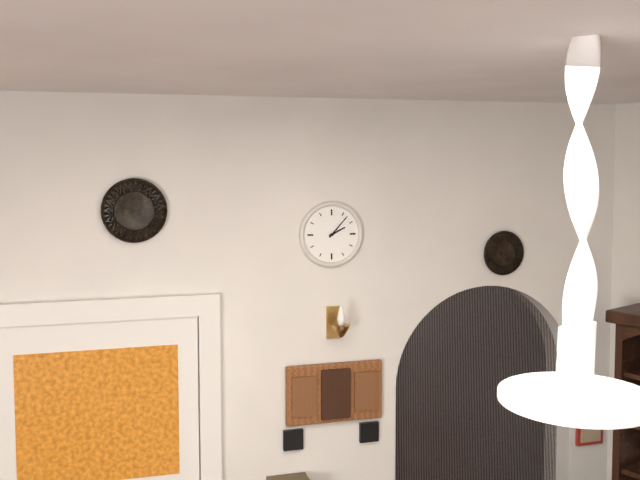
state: 2:07
